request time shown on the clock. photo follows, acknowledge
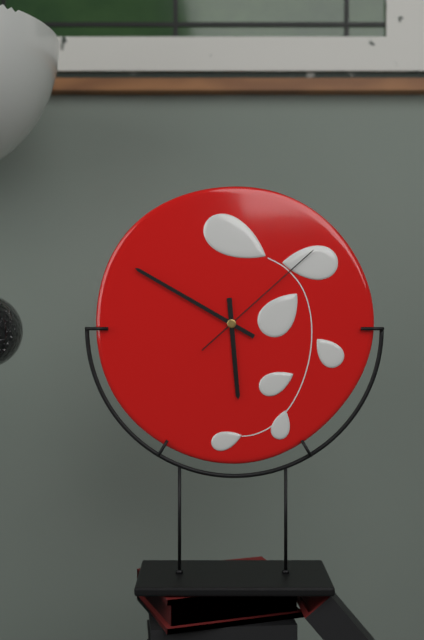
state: 5:50:08
